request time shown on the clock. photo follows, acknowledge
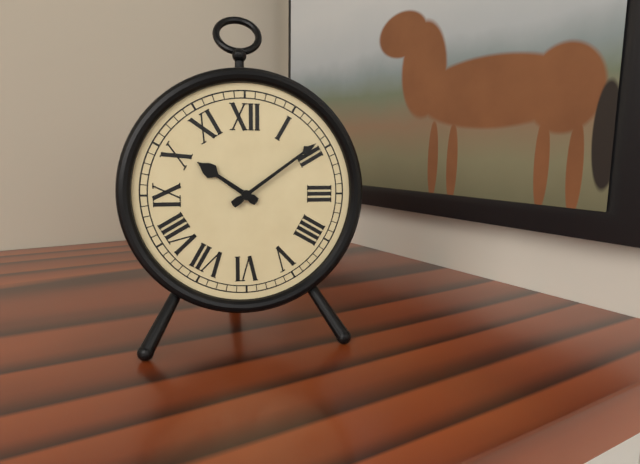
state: 10:09
